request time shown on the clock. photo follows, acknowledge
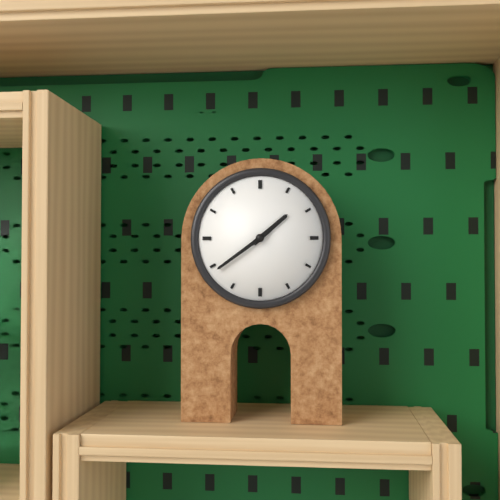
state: 1:39
